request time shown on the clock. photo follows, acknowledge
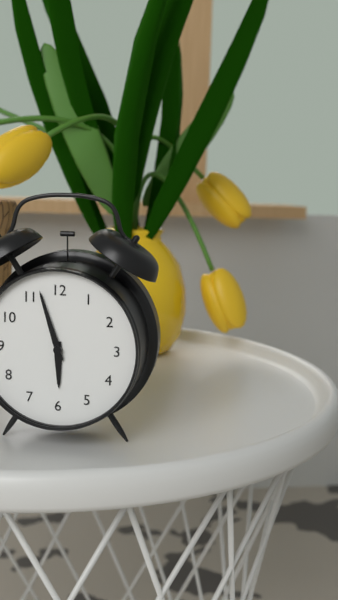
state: 5:57
